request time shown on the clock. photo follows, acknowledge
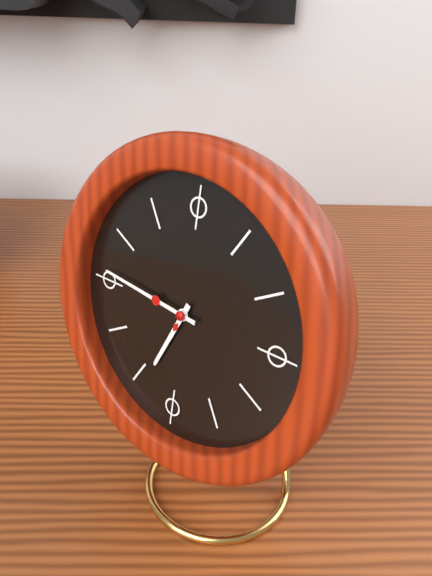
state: 6:46
